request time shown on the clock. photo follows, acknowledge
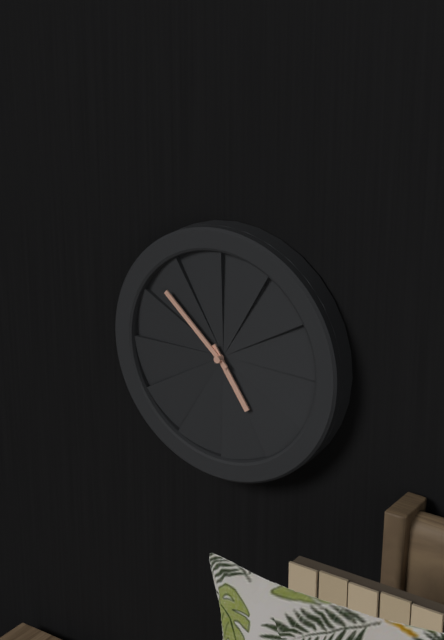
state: 4:52
